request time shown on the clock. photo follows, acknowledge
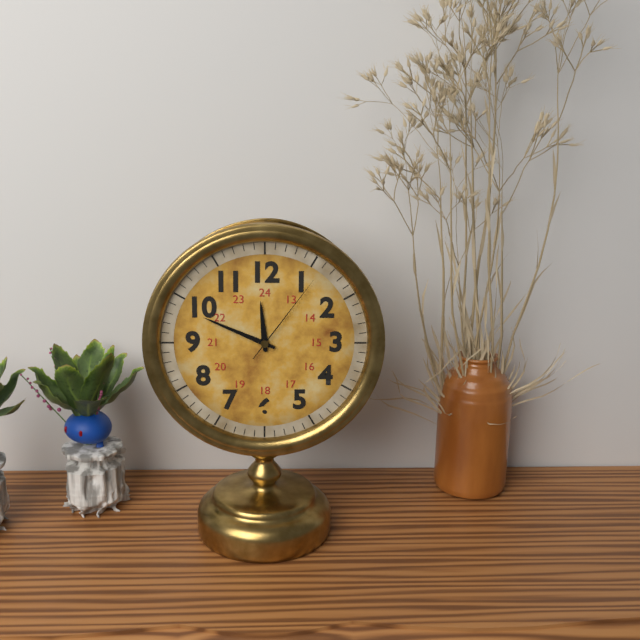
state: 11:49:06
